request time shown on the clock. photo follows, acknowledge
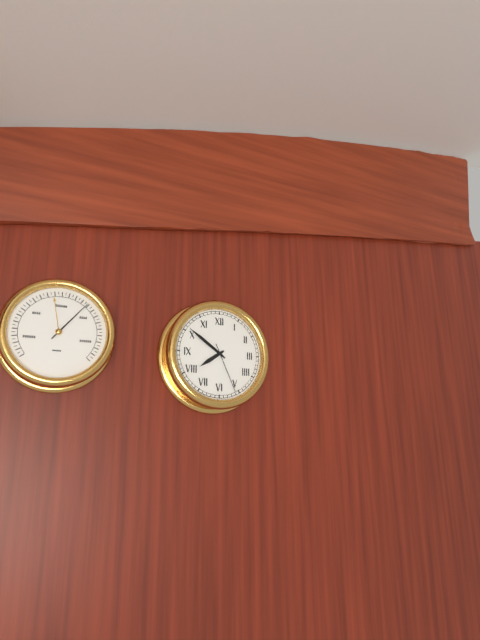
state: 7:51:26
